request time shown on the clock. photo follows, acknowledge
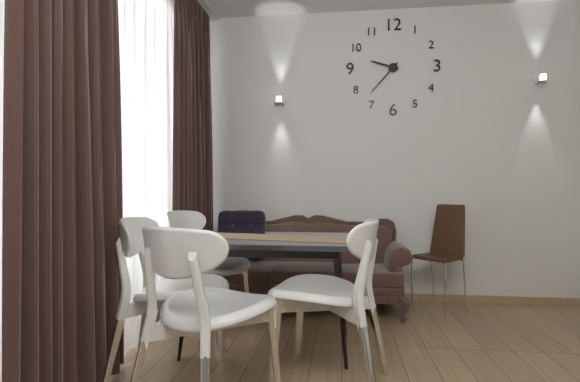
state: 9:37
